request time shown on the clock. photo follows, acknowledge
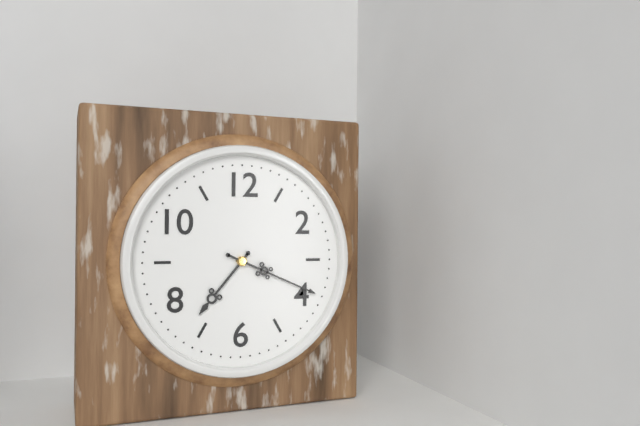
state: 7:19
